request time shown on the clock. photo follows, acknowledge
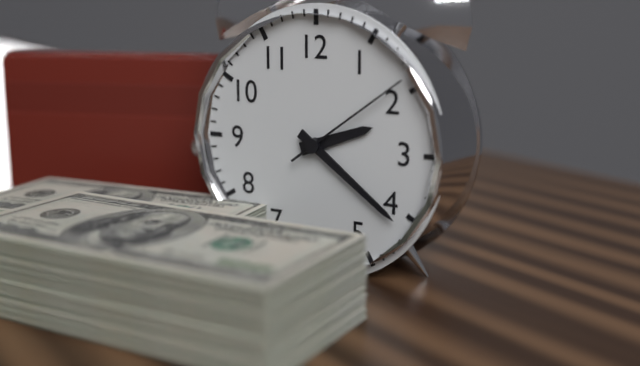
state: 2:21:09
